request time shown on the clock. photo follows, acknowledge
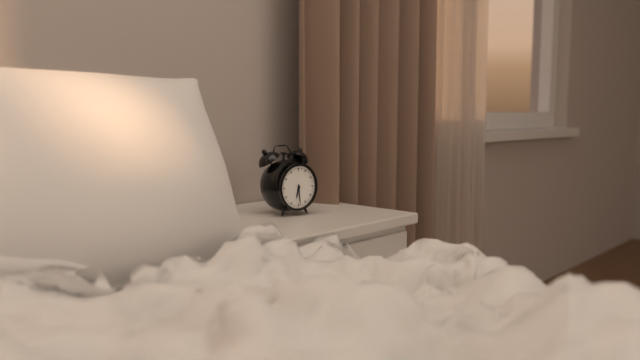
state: 6:29
